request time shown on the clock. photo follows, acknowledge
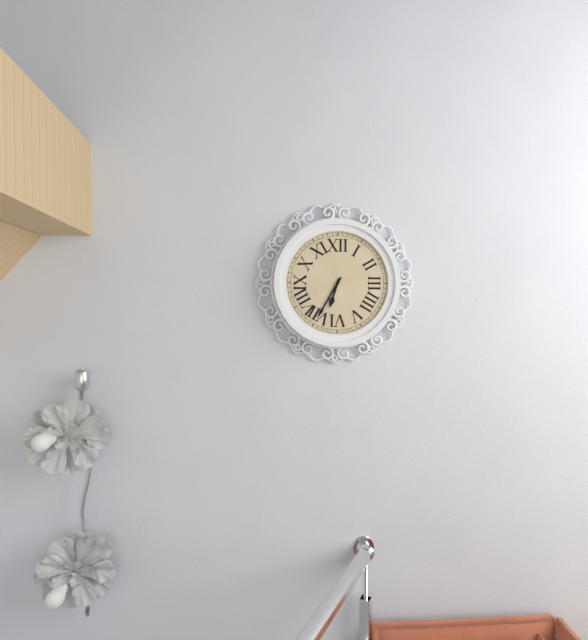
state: 6:35
